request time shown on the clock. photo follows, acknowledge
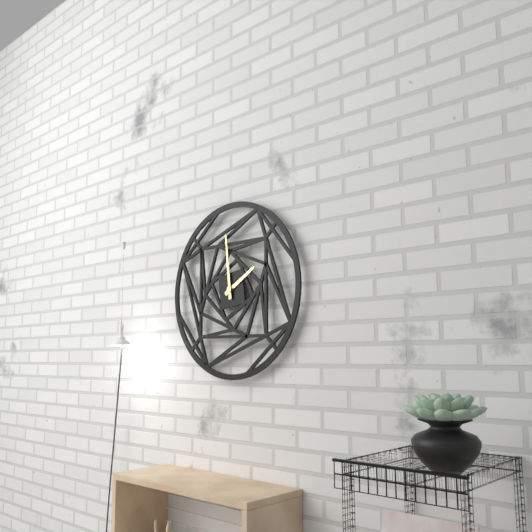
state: 1:59
